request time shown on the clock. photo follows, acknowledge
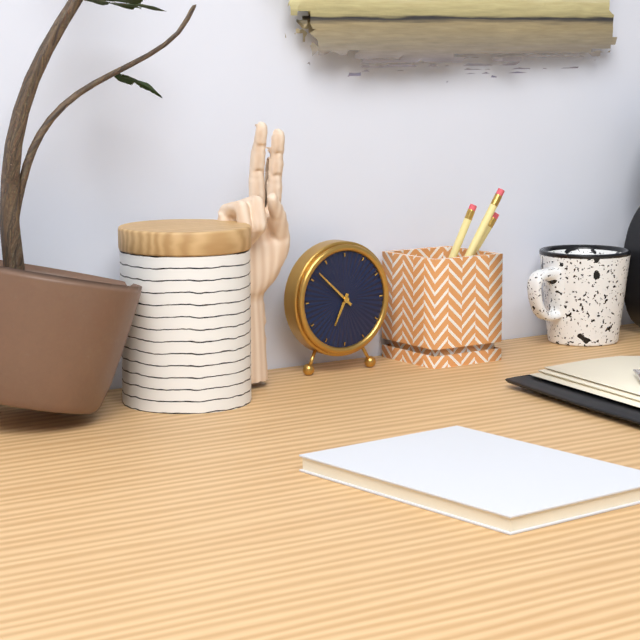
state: 6:52
